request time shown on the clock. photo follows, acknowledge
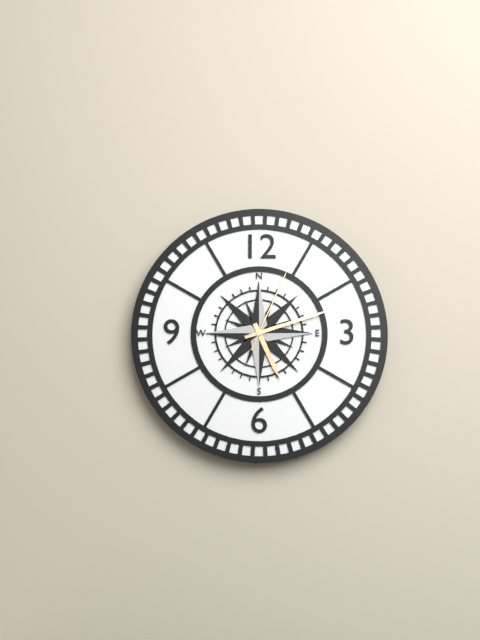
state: 5:12:04
